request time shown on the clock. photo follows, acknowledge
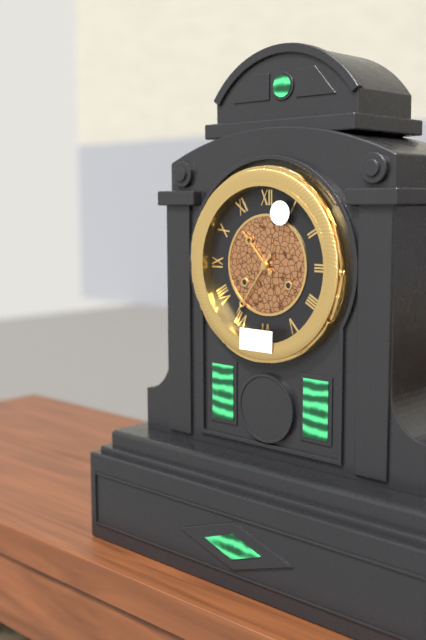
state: 10:36
